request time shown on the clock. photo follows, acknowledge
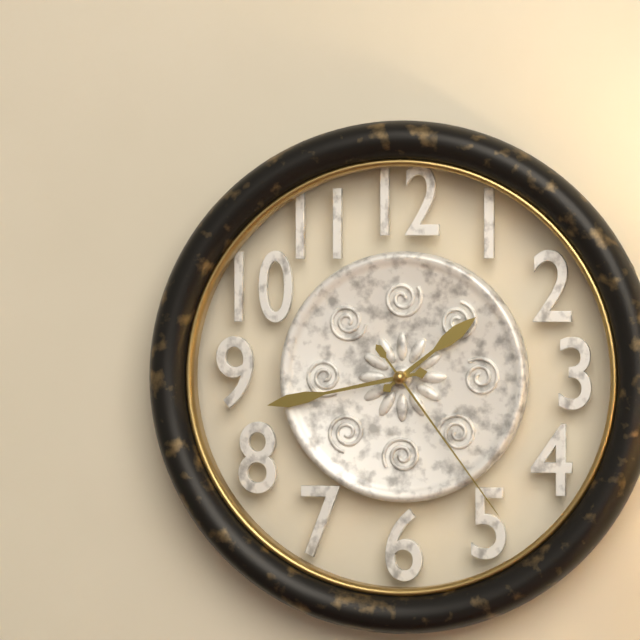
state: 1:43:24
